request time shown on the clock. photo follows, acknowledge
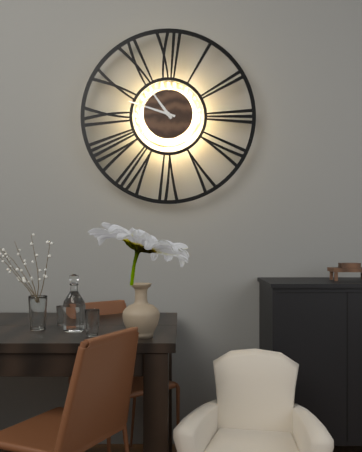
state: 10:48
